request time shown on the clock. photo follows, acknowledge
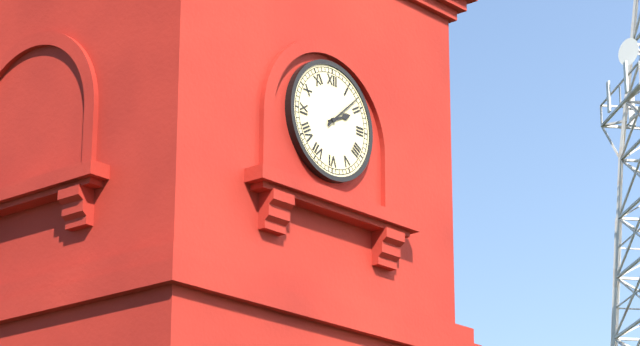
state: 2:08
